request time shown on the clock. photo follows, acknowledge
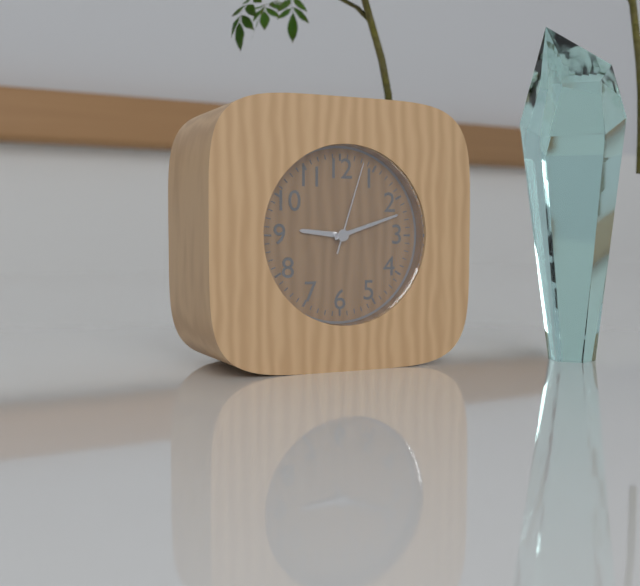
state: 9:12:03
